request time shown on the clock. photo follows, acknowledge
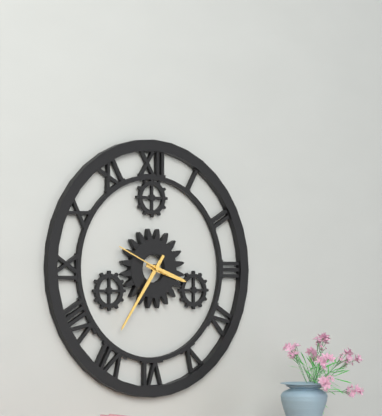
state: 3:36
